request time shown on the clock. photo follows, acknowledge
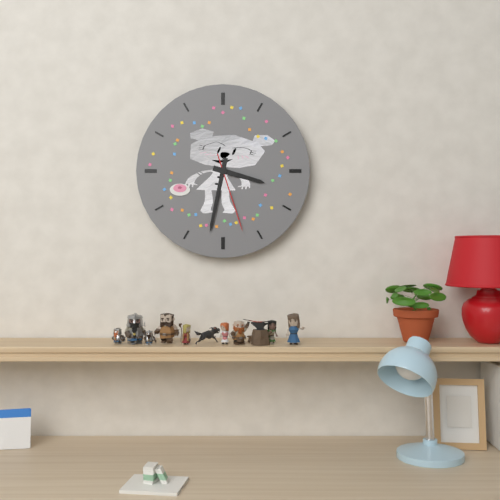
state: 3:32:27
